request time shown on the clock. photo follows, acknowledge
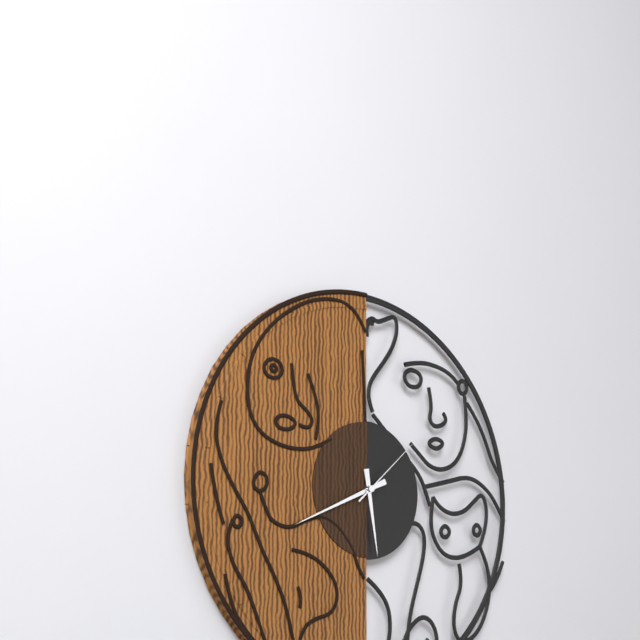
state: 5:41:08
